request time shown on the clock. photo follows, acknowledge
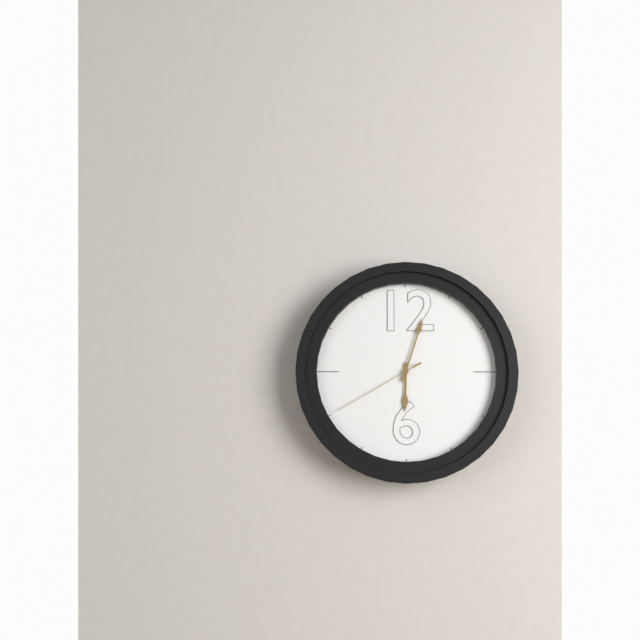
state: 6:03:40
